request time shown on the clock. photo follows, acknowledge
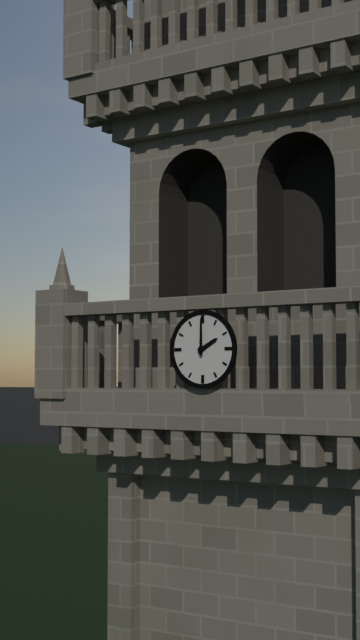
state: 2:00
